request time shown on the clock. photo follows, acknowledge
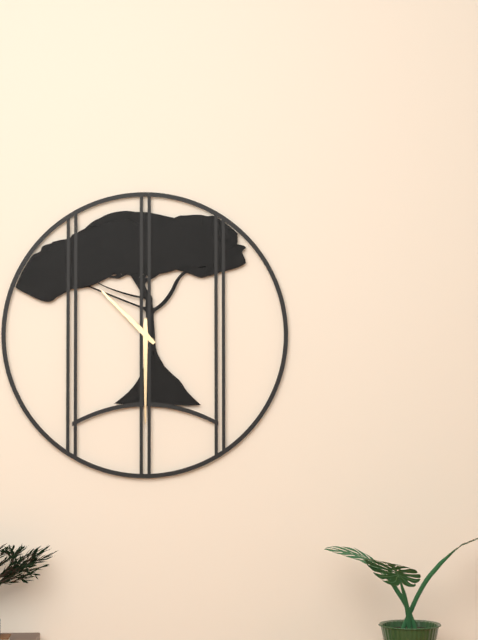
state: 10:30
